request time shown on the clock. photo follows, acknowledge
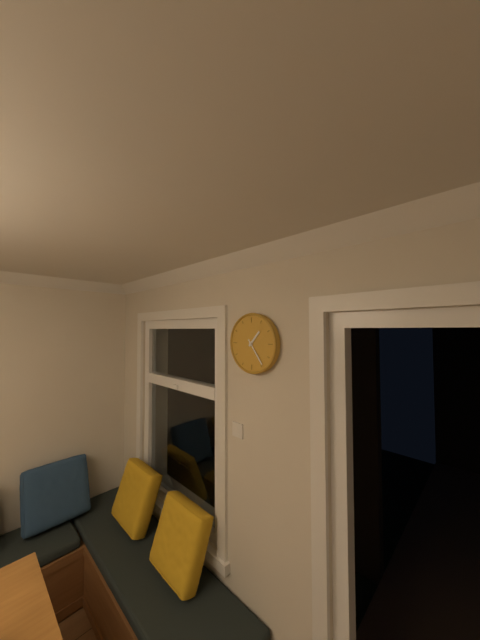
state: 1:24
